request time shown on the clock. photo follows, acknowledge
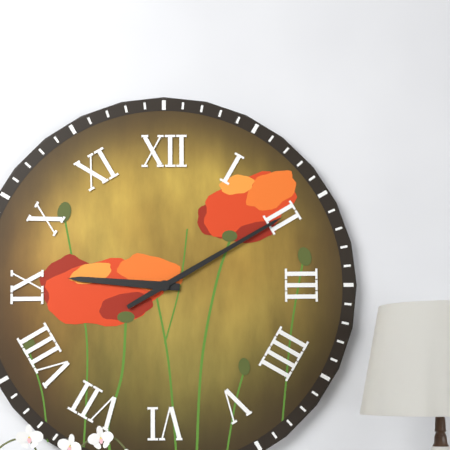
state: 9:10
